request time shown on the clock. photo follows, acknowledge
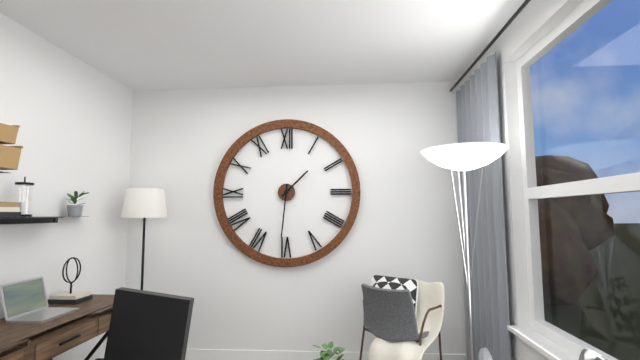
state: 1:31
